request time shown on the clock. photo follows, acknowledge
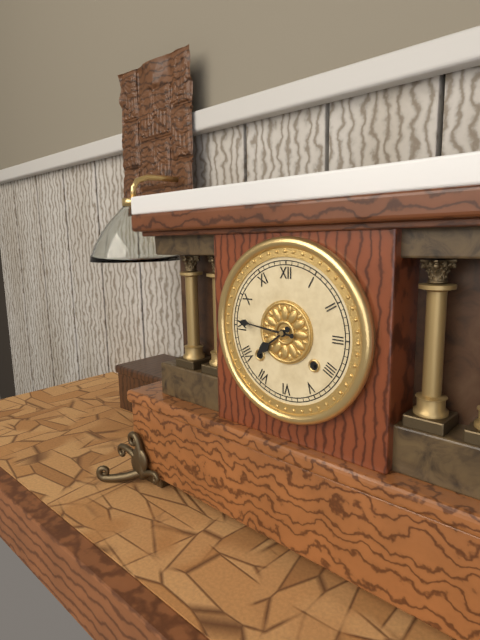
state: 7:46
